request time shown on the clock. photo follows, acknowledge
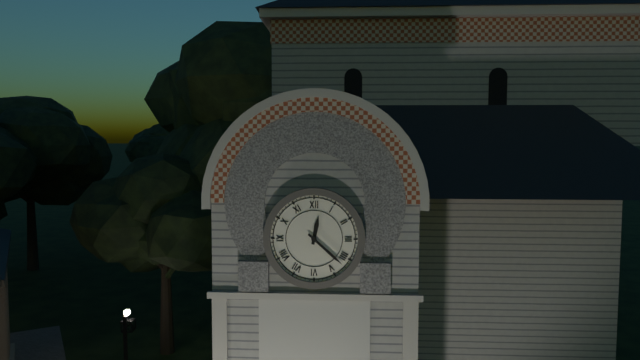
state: 12:22
